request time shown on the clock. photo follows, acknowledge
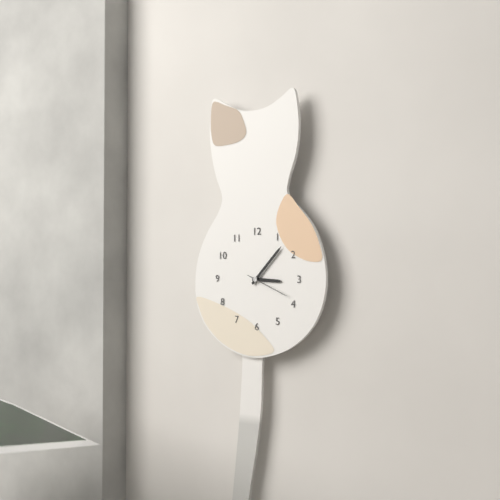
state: 3:07
